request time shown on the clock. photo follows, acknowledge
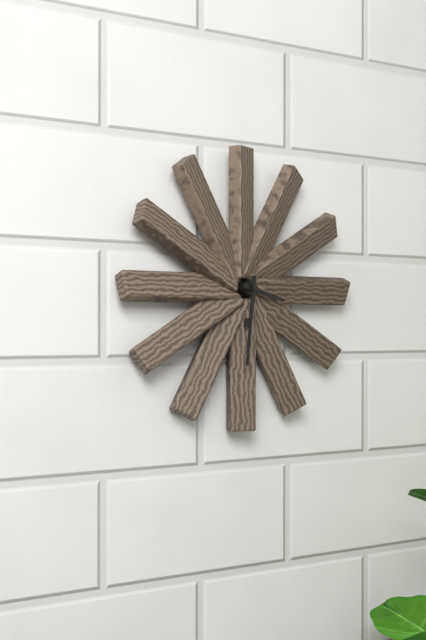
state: 3:31
